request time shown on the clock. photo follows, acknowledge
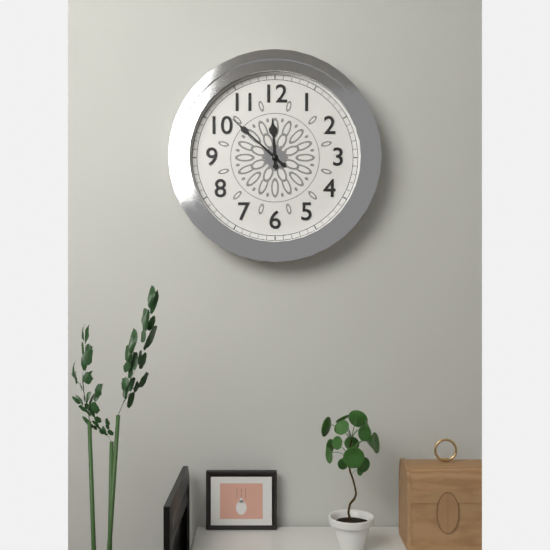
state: 11:52
